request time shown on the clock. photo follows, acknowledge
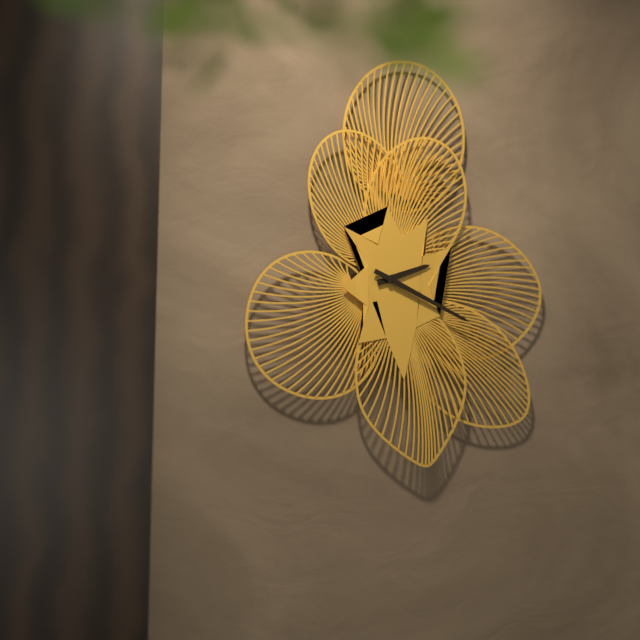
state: 2:19
